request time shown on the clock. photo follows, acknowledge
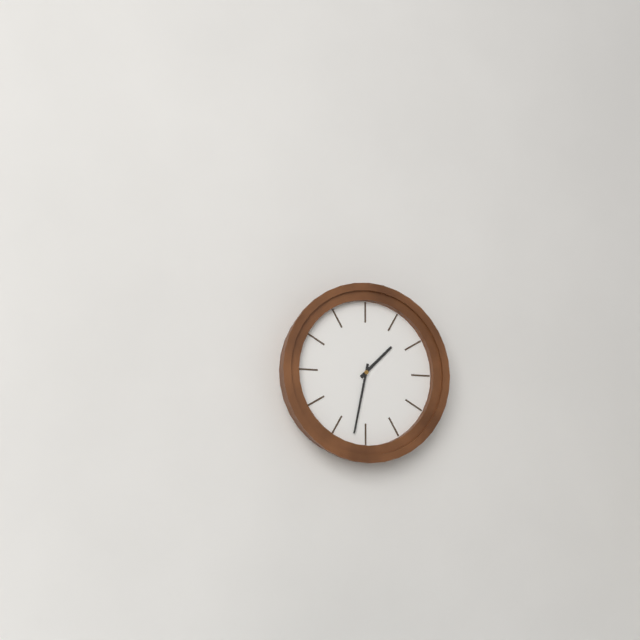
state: 1:32
